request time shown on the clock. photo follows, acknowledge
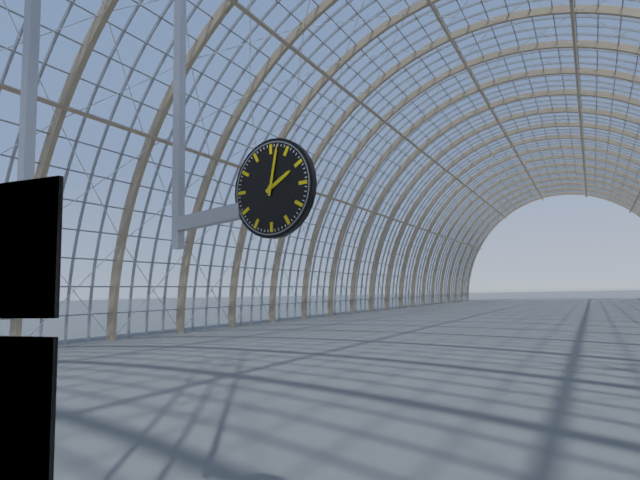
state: 2:02
